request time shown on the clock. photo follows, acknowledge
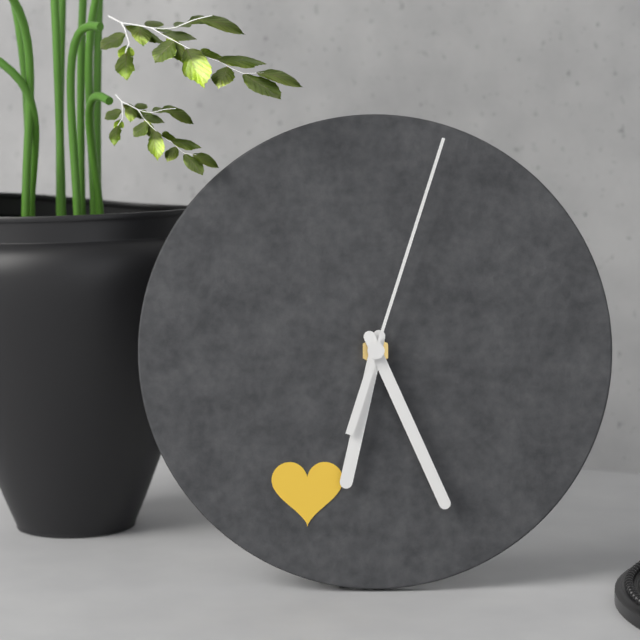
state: 6:26:03
